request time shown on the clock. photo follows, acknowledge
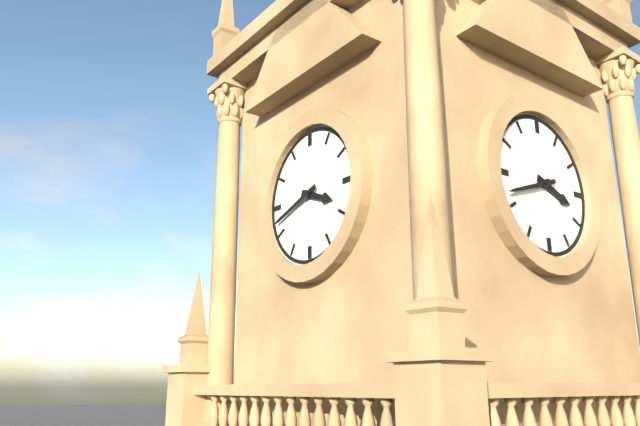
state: 3:42
